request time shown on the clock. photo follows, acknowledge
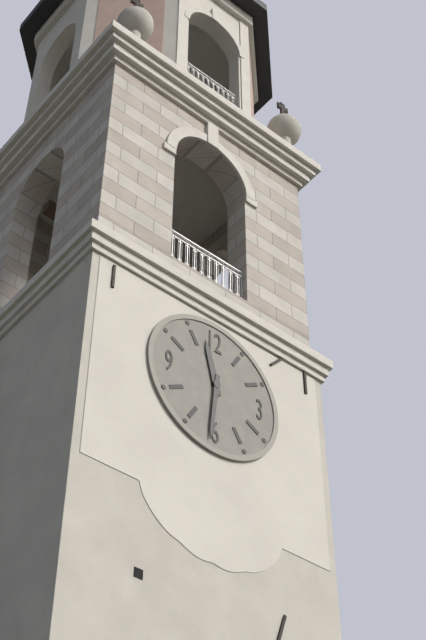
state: 11:31
